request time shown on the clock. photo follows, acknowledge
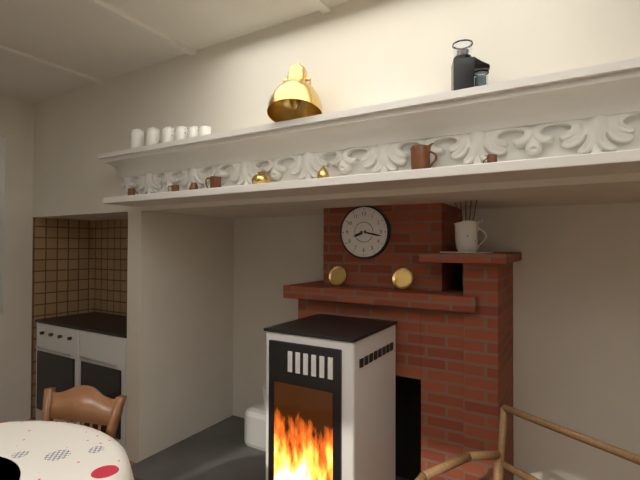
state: 8:17
